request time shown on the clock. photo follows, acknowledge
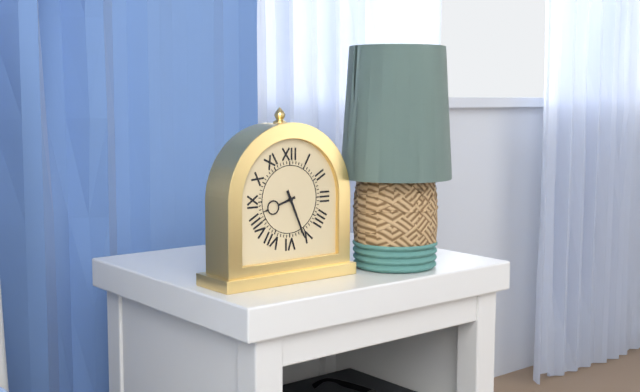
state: 8:26
